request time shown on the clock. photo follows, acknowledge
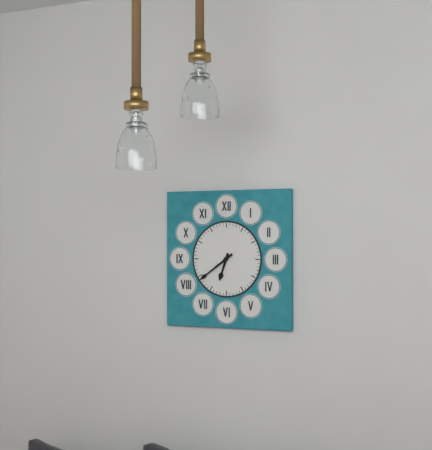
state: 6:39
